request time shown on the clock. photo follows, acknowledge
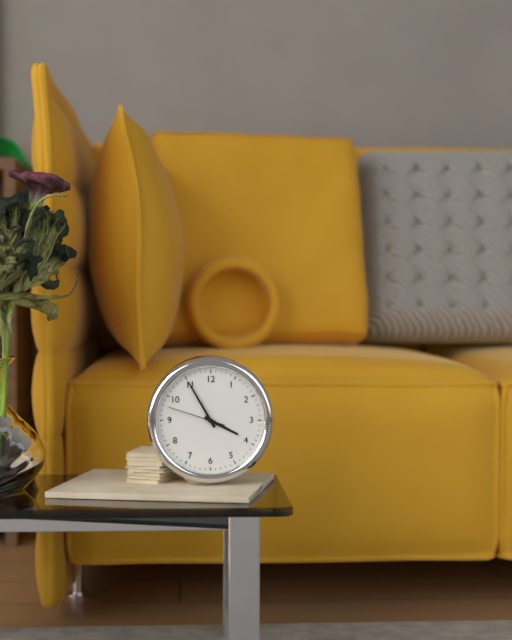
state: 3:55:48
